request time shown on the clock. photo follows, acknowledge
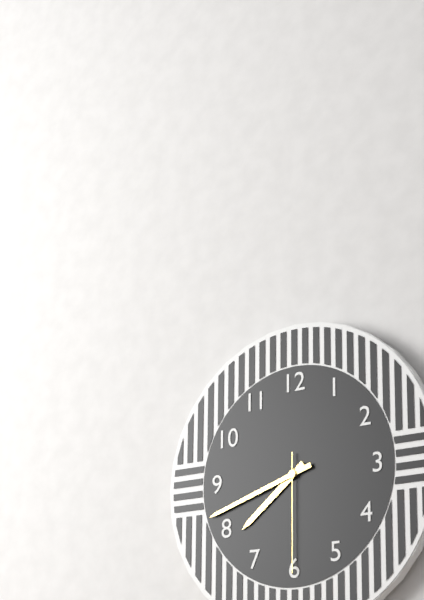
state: 7:42:30
